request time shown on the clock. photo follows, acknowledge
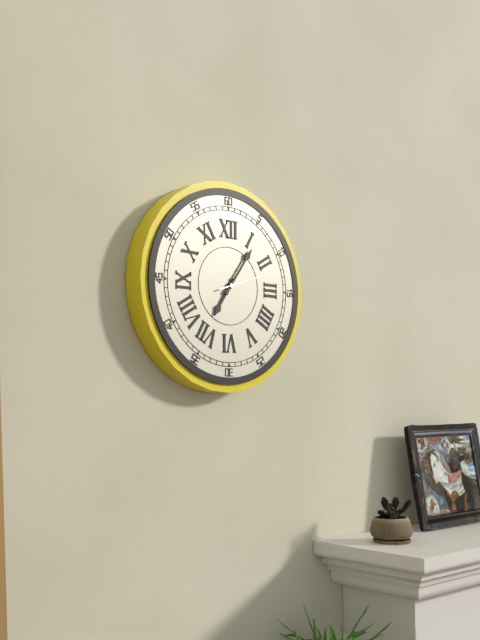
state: 7:06:12
